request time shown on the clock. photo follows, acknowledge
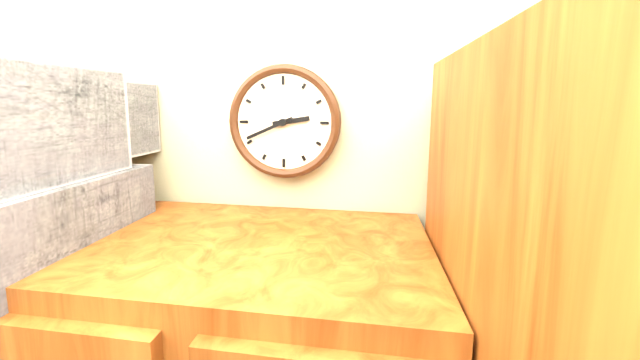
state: 2:41
